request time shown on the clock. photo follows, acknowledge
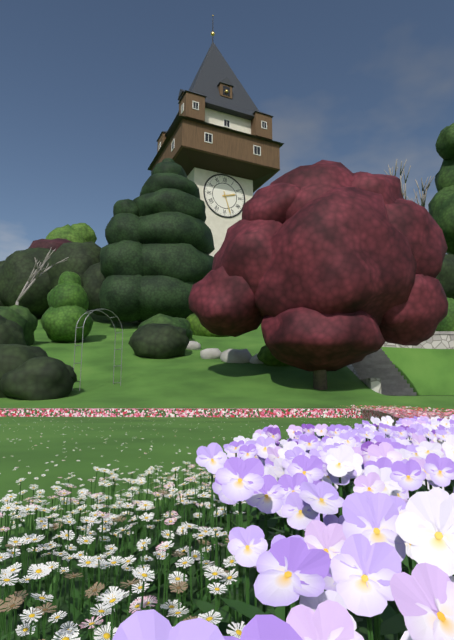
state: 2:27
